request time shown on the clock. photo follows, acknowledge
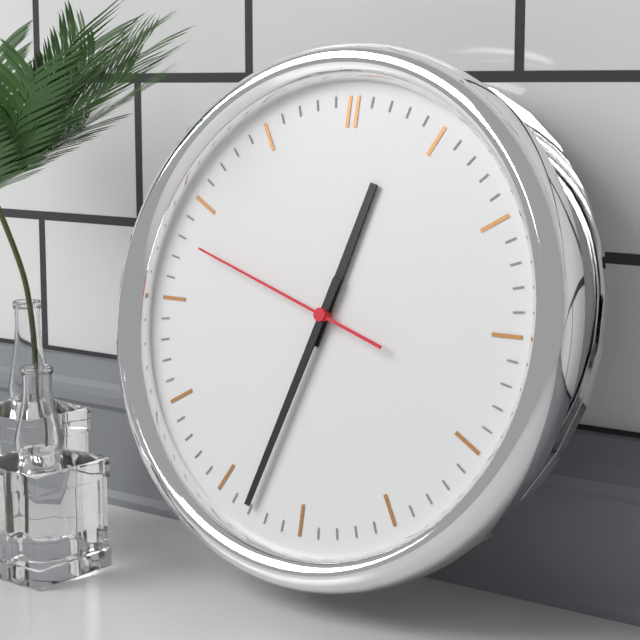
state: 12:33:48
